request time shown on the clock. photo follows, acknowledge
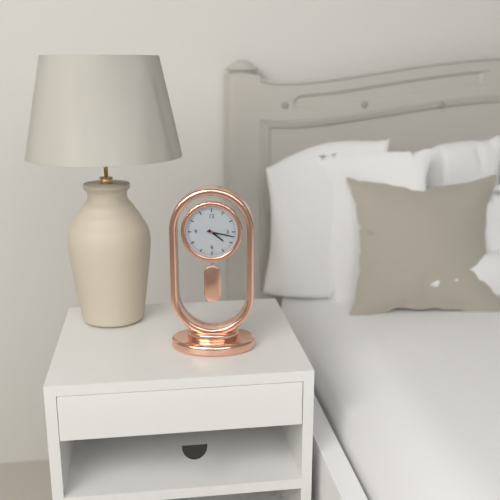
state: 4:17
